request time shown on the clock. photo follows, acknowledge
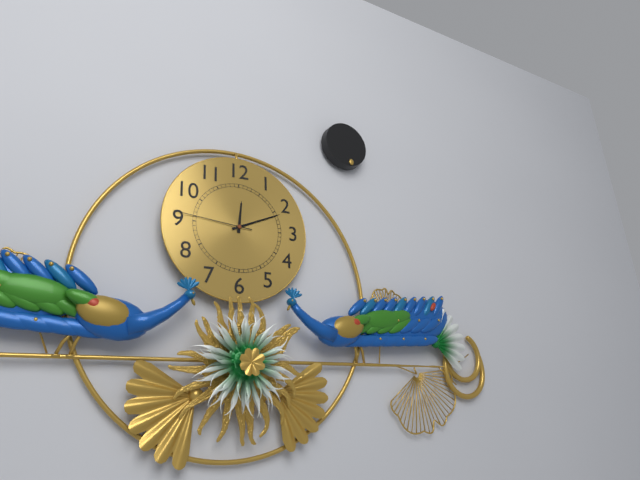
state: 12:11:46
